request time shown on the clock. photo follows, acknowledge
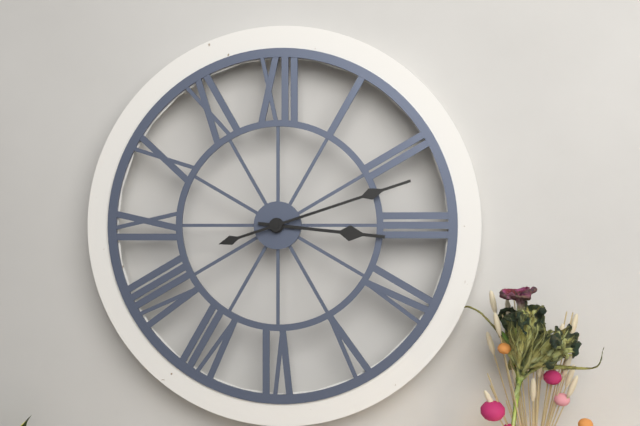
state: 3:12
